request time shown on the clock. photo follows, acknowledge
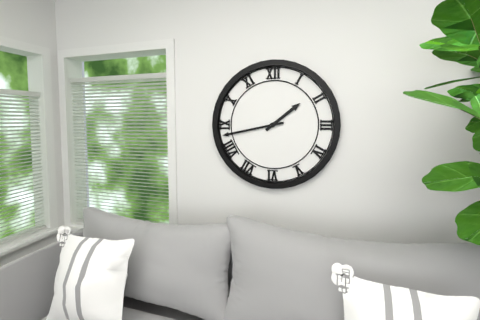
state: 1:43
